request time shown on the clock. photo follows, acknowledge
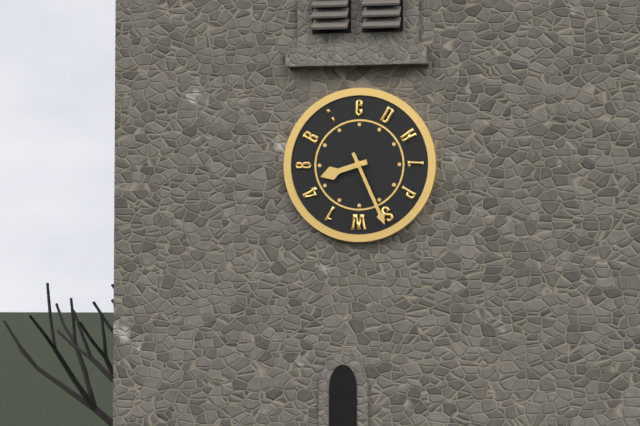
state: 8:26
